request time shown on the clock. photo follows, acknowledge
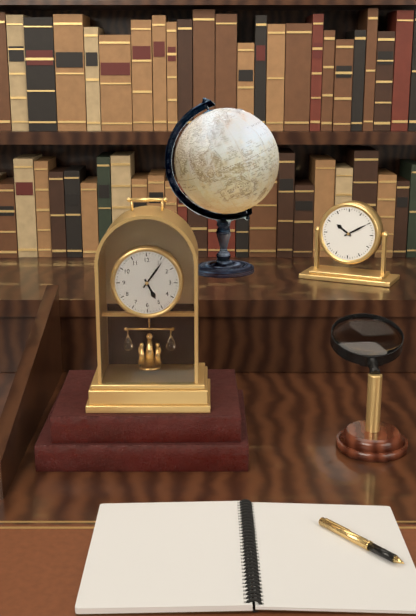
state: 5:06
